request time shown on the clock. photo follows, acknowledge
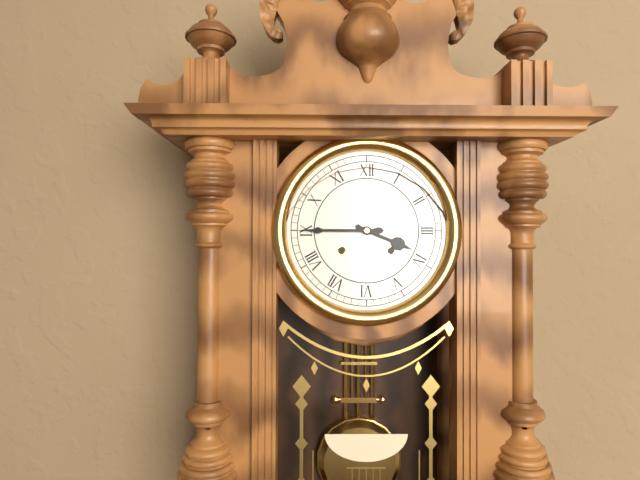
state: 3:45
